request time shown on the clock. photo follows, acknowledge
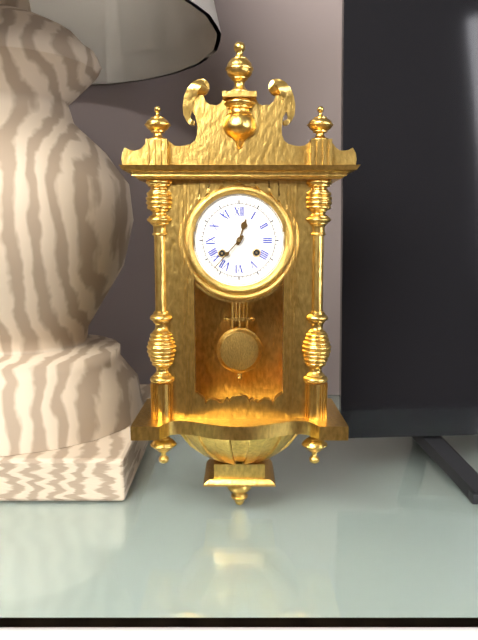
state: 12:37
